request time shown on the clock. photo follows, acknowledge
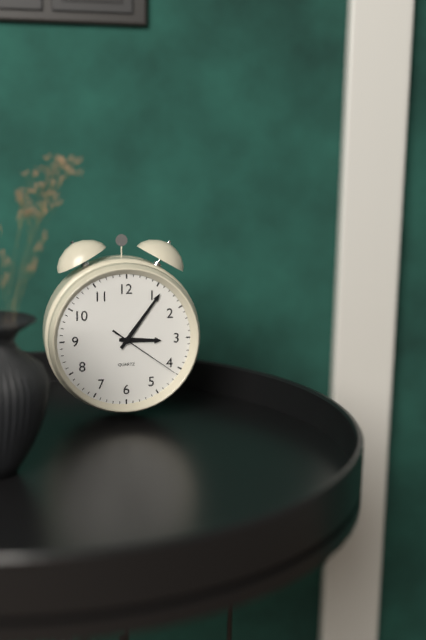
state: 3:06:21
